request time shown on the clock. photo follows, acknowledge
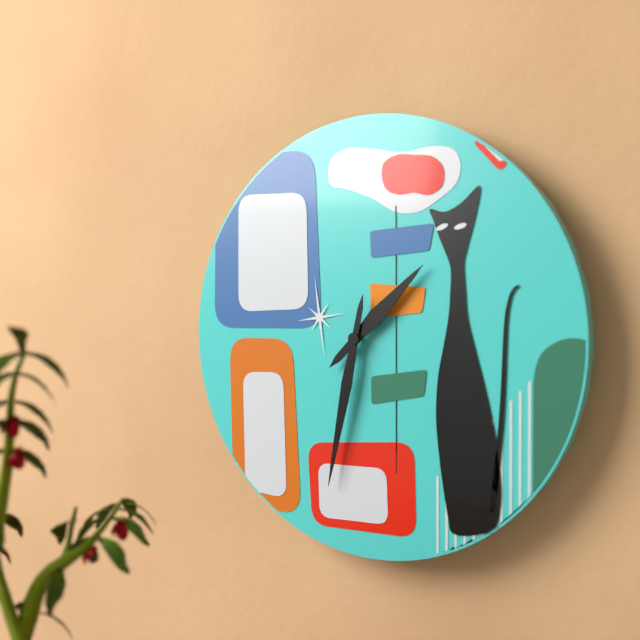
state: 1:32
